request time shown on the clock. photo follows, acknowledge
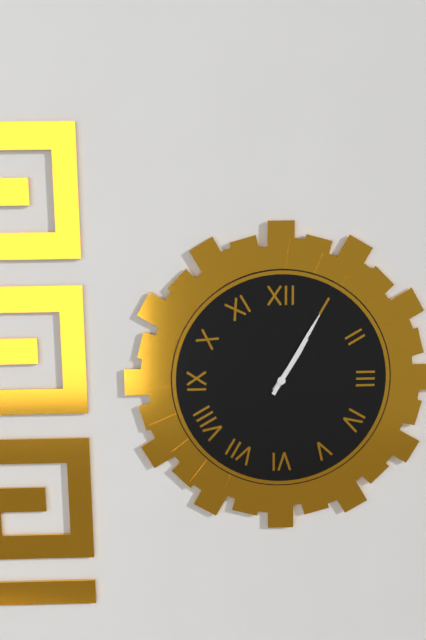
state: 1:05
